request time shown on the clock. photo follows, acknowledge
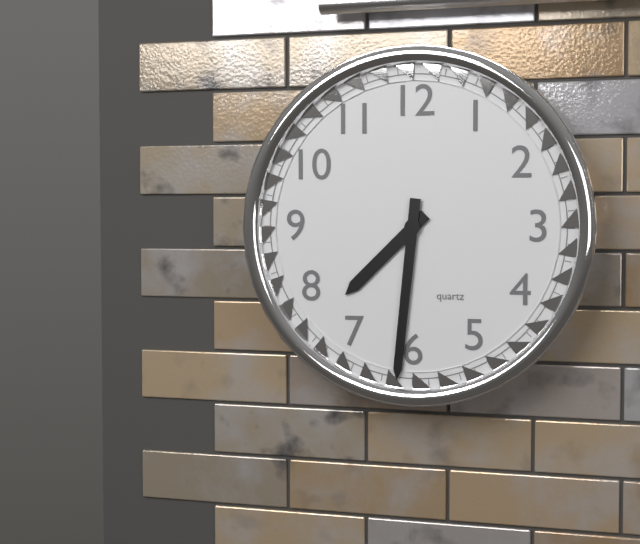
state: 7:31
